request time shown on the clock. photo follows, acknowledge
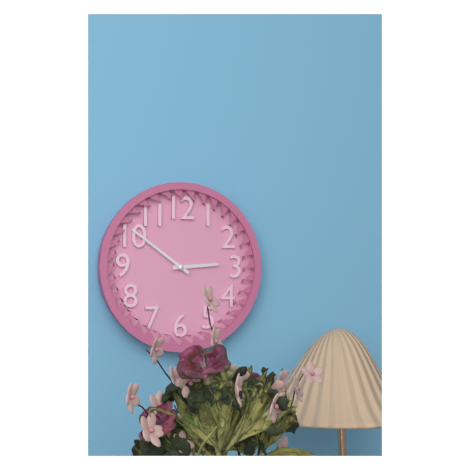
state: 2:51
